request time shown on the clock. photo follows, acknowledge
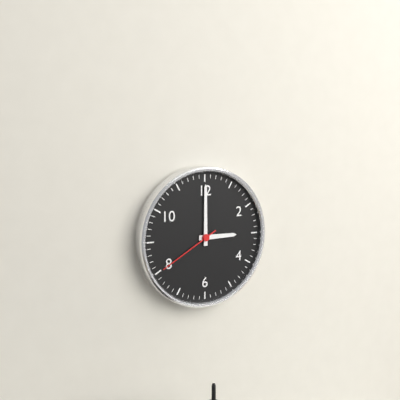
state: 3:00:40
